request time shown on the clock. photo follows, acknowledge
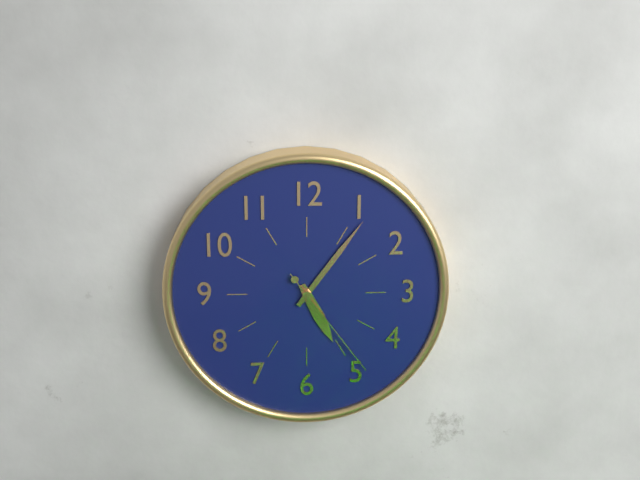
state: 5:06:24
